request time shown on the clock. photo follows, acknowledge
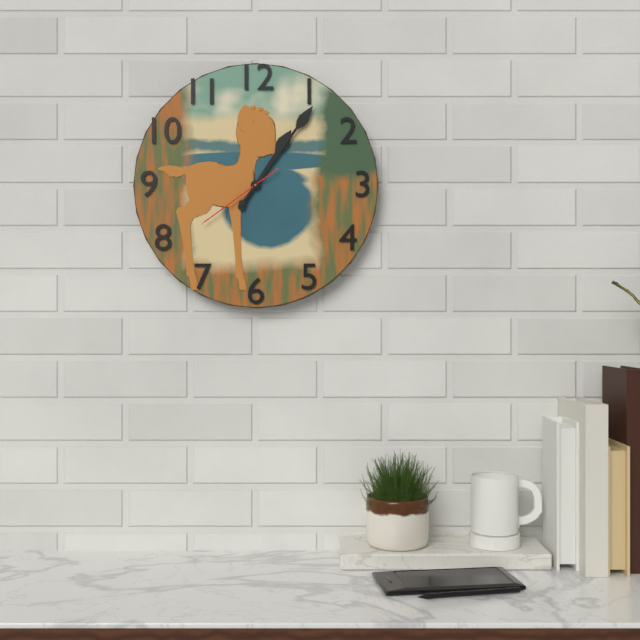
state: 1:06:39
